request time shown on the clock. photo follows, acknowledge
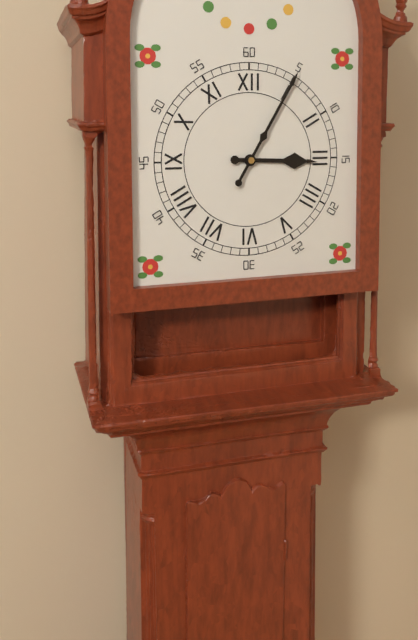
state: 3:05
